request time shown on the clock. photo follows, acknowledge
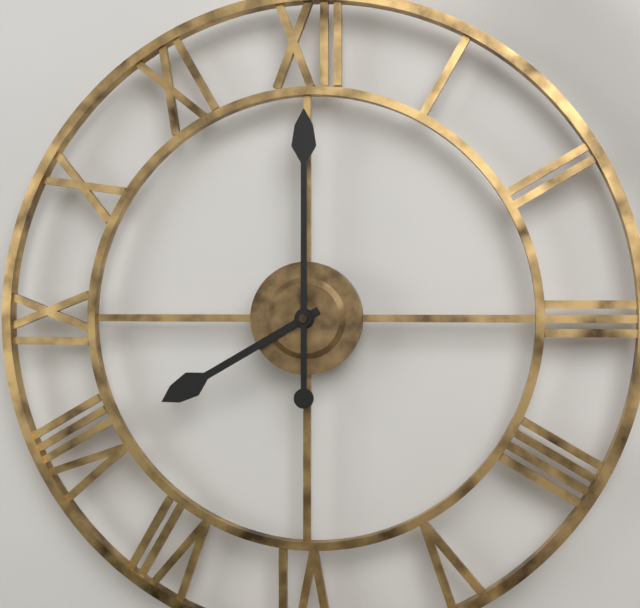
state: 8:00
